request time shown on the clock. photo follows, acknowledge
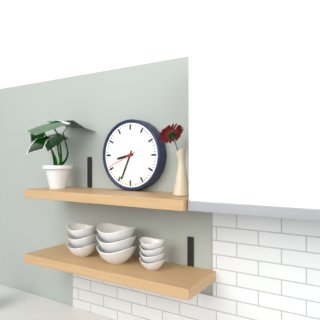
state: 8:34
